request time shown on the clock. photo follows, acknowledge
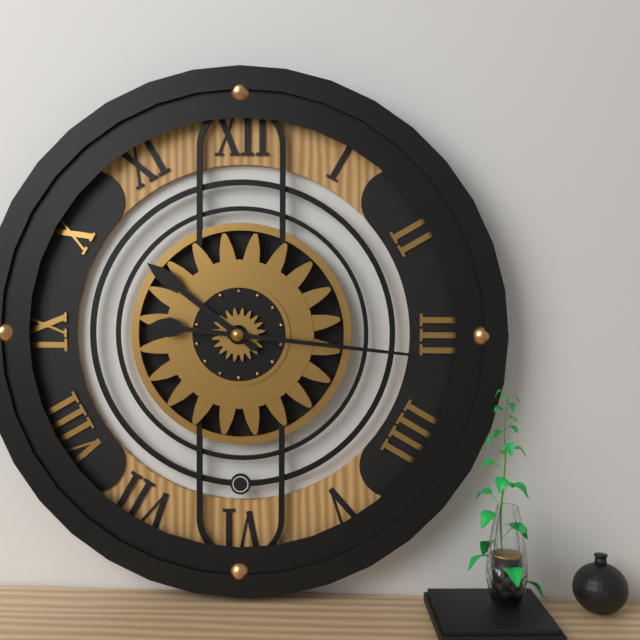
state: 10:16
